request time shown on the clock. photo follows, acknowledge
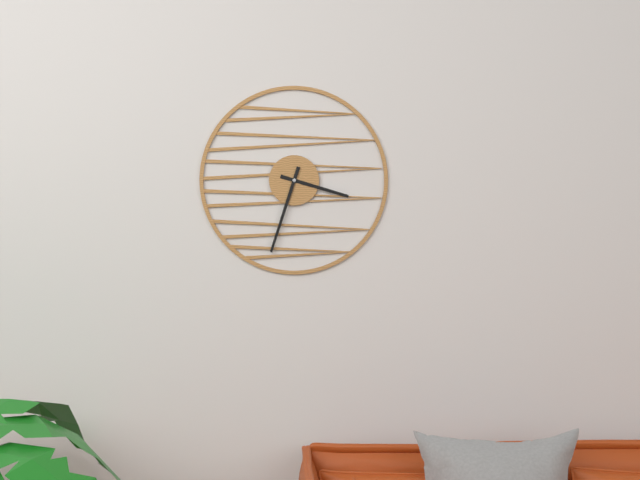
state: 3:33
